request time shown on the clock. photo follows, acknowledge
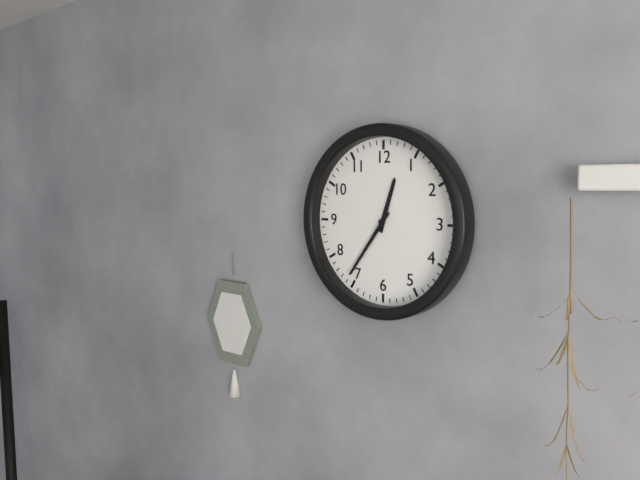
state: 12:36
